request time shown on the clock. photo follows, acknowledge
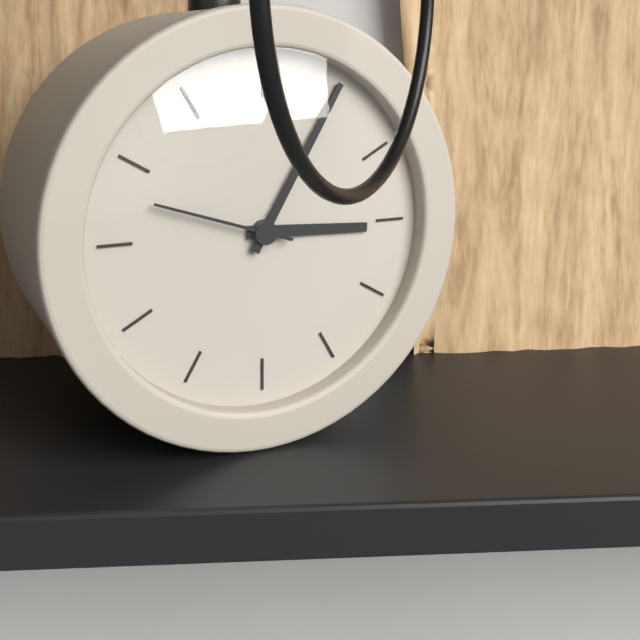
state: 3:05:48
